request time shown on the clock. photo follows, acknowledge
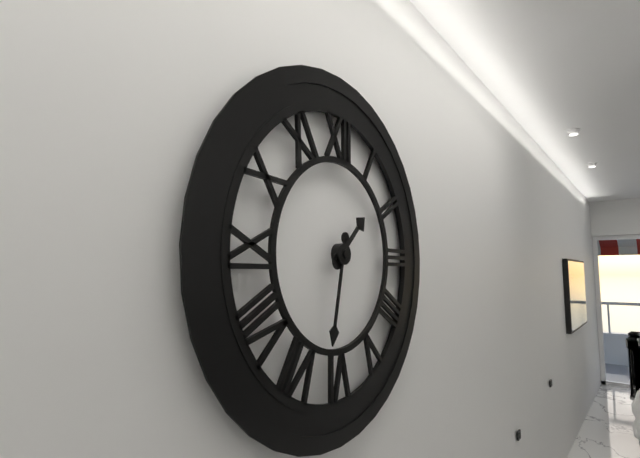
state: 1:32
